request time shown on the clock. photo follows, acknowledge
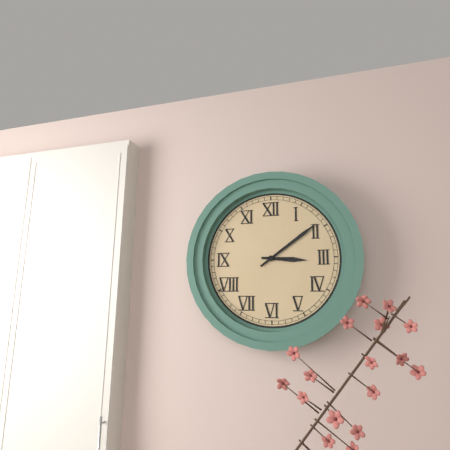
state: 3:09
